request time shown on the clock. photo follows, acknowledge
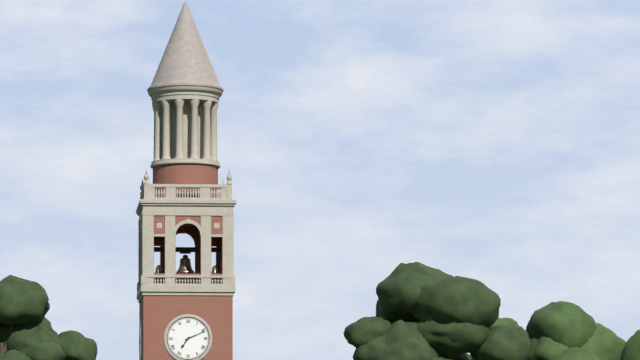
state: 7:11
